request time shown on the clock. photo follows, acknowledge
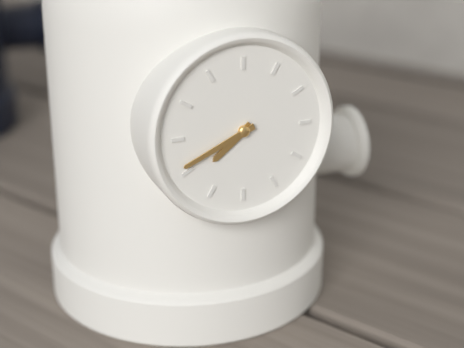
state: 7:41
